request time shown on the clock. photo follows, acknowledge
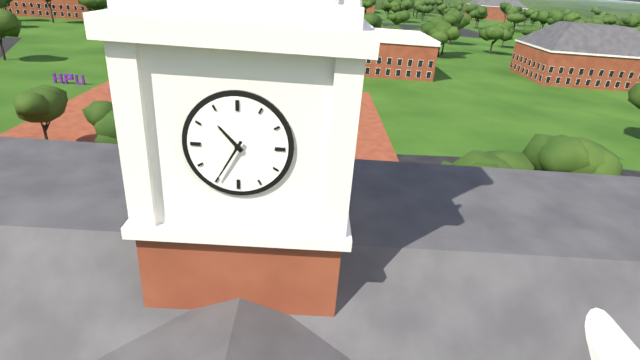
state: 10:35
